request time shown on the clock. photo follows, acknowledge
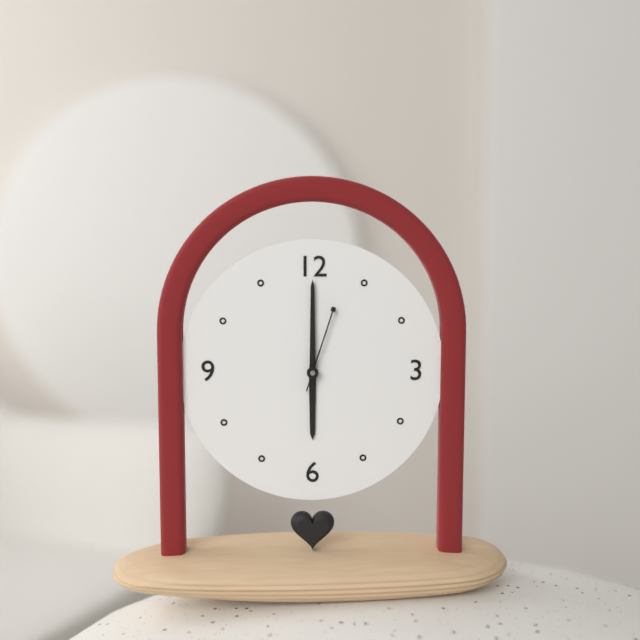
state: 6:00:03
